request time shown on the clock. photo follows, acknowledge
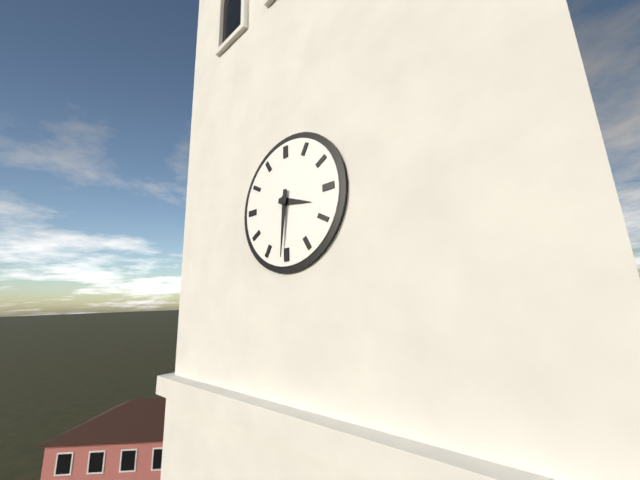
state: 3:31
